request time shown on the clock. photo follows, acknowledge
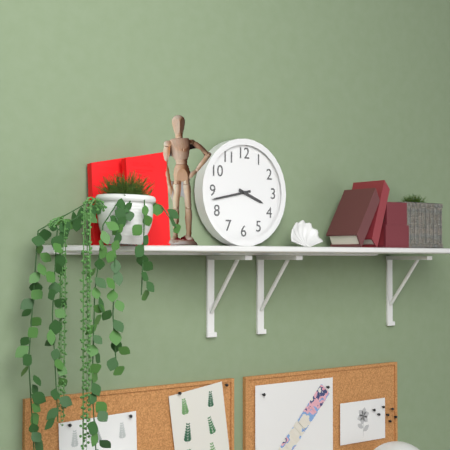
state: 3:43
